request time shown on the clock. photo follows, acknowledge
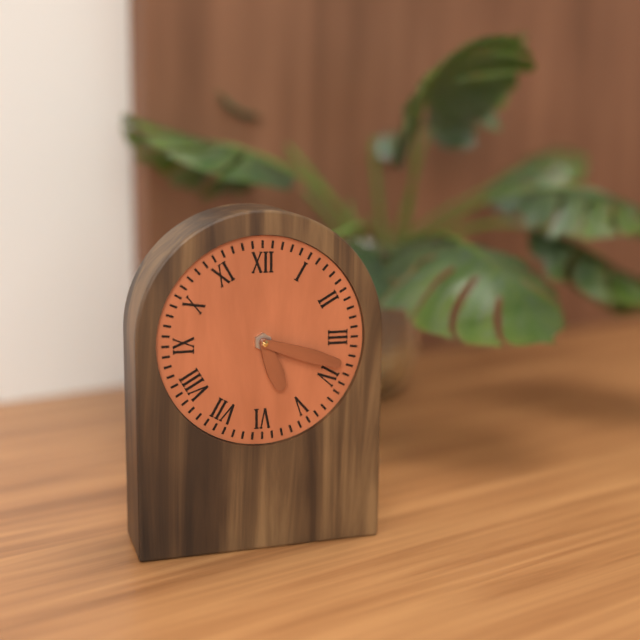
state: 5:18
